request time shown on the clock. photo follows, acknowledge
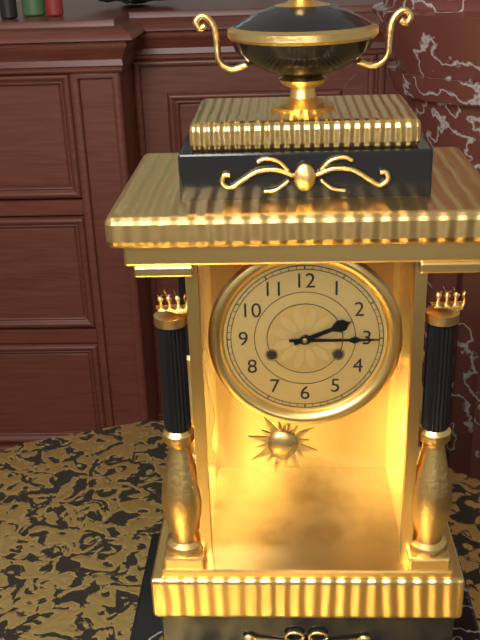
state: 2:15
